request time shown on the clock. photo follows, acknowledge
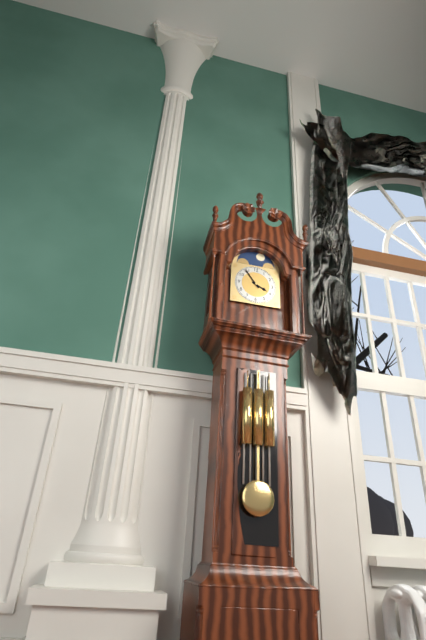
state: 3:54
